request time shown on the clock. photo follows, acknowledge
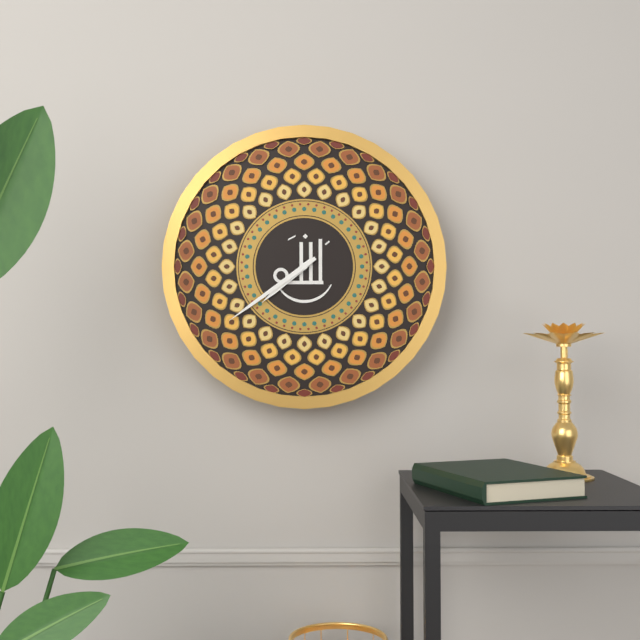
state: 7:39
